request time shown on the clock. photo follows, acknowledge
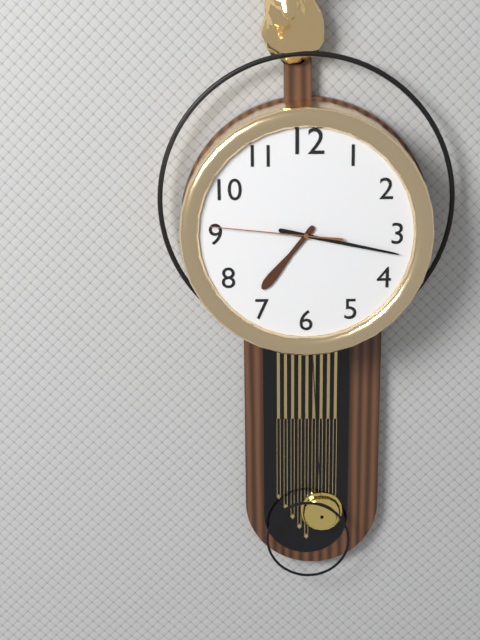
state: 7:17:46
